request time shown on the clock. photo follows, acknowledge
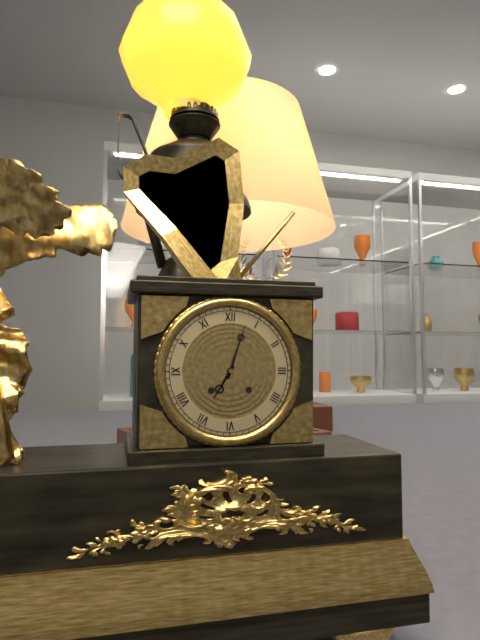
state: 7:03
